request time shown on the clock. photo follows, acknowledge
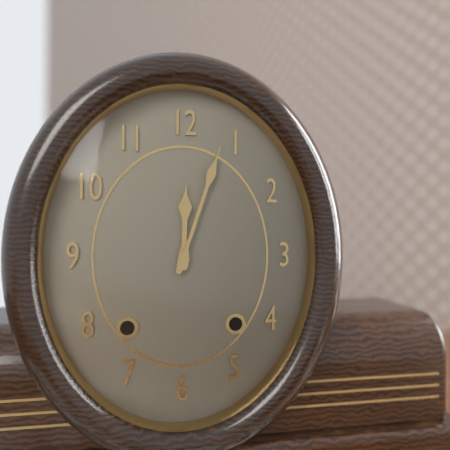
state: 12:03
